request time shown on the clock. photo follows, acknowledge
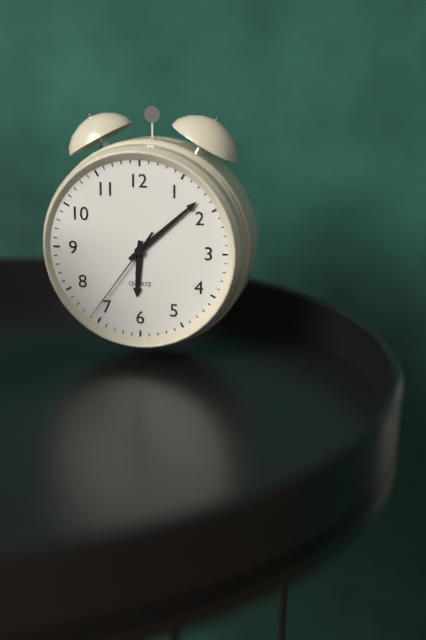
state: 6:08:36
